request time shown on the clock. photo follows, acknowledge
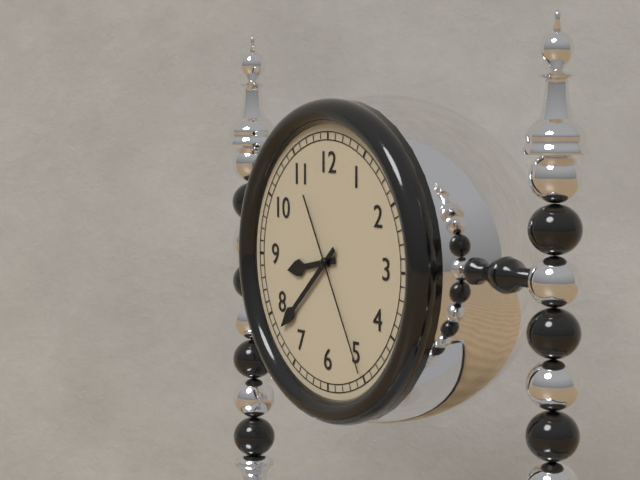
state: 8:38:25
